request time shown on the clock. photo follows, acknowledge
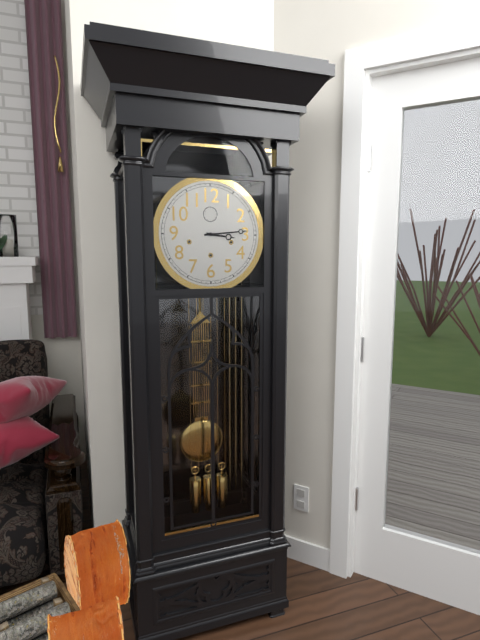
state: 3:14
